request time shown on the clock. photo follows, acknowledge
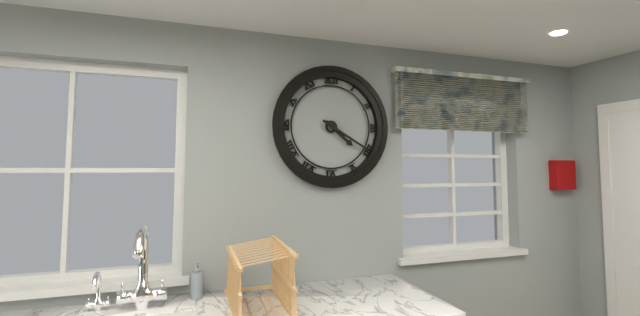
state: 4:20
